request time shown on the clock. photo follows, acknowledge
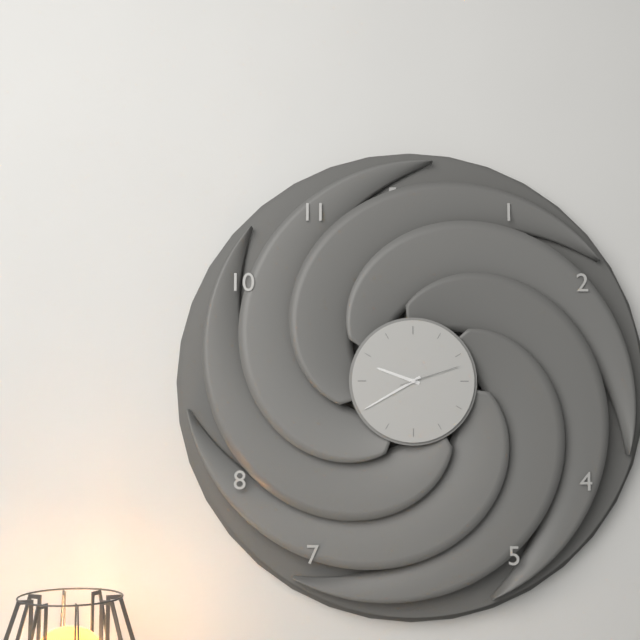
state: 9:40:12
